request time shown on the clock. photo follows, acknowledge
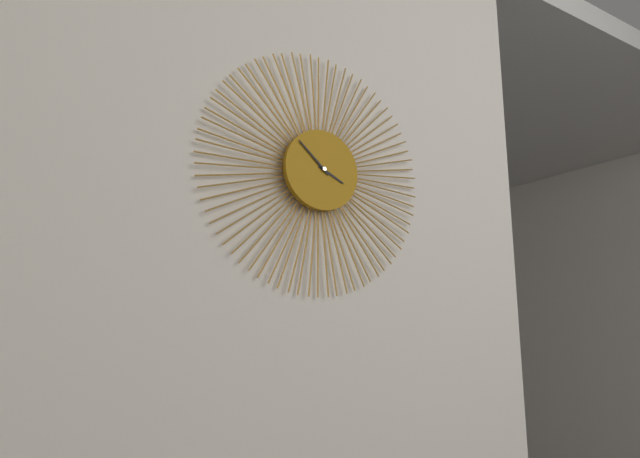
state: 3:52
